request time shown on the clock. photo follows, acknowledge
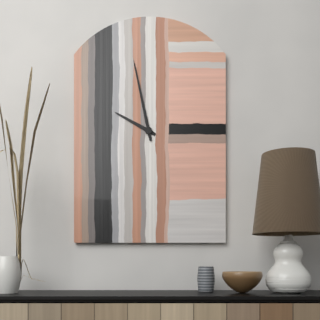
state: 9:58
